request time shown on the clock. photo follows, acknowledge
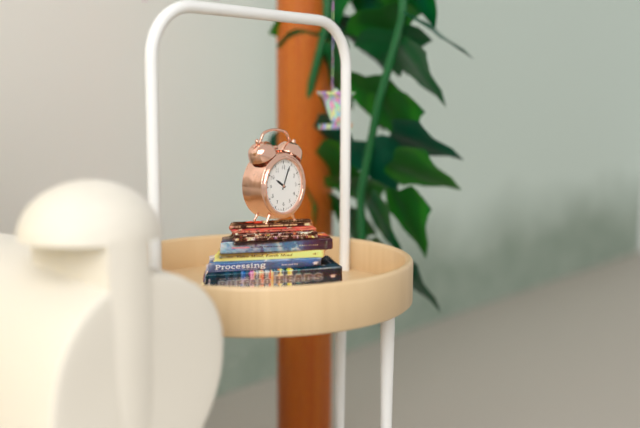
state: 10:04
